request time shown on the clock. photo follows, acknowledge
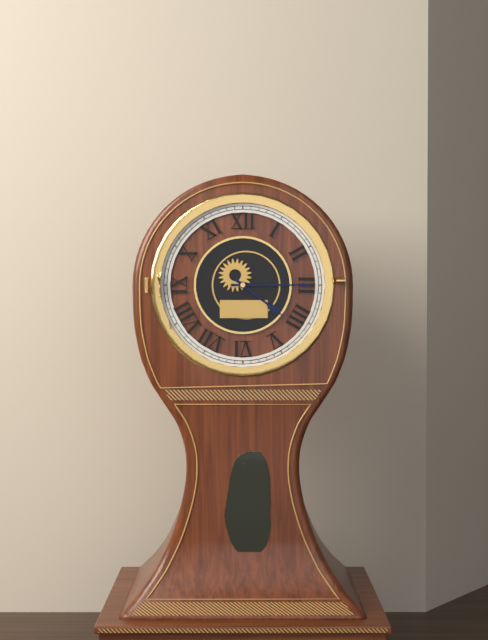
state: 4:15
